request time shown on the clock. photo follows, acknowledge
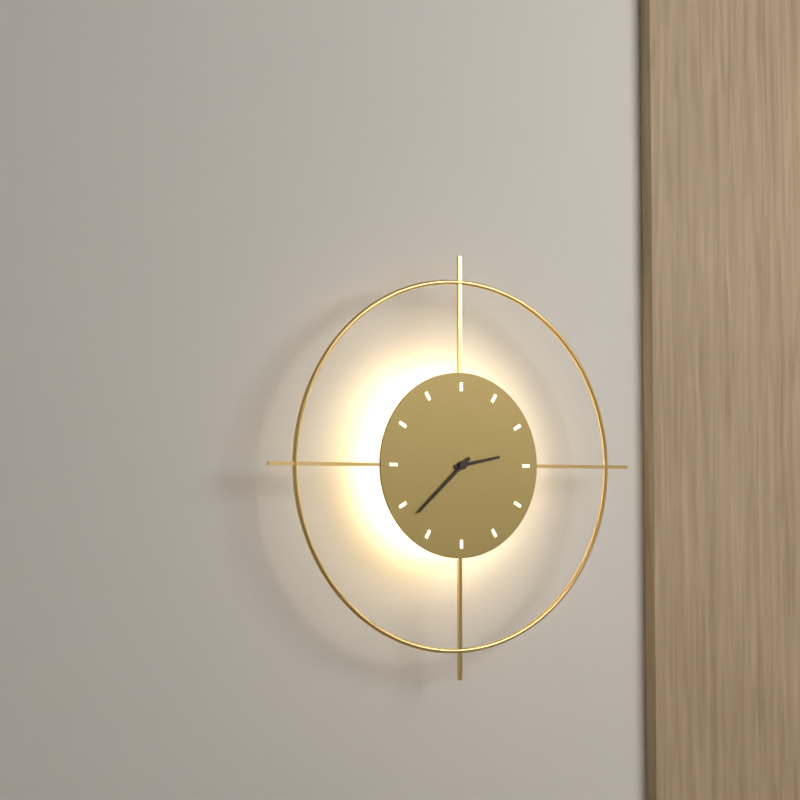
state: 2:38
